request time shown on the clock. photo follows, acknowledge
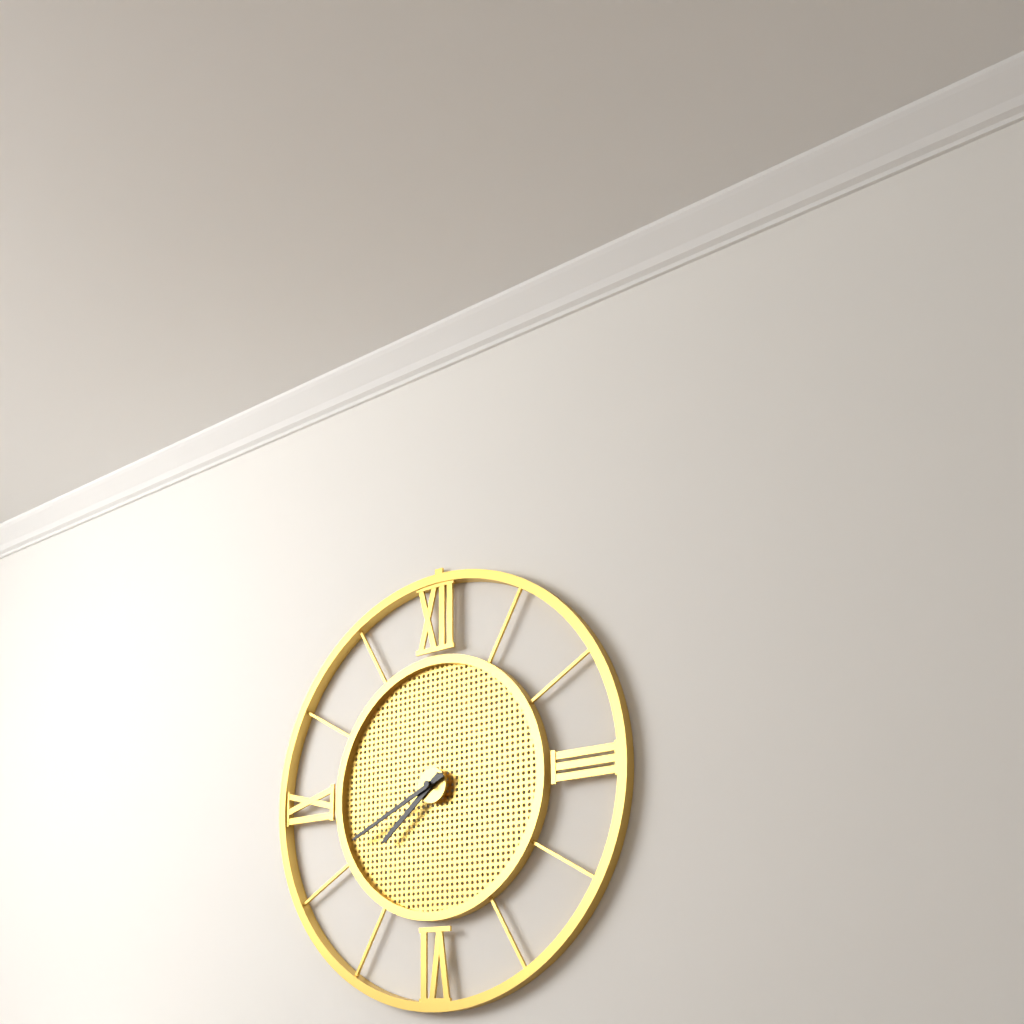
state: 7:41
